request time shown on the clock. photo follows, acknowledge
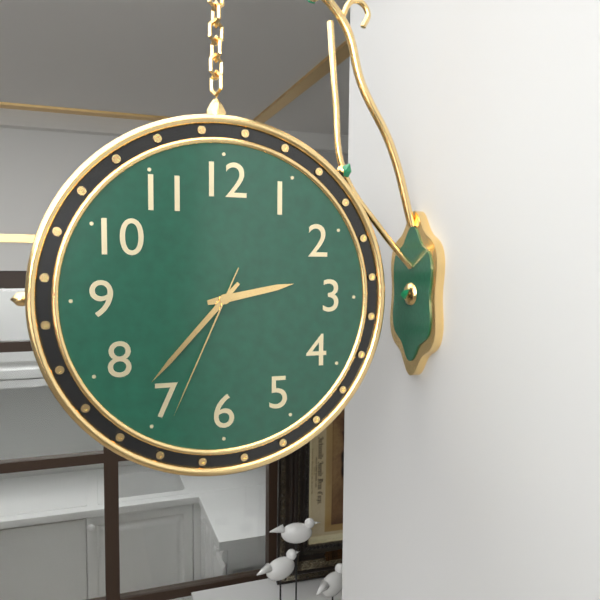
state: 2:37:34
